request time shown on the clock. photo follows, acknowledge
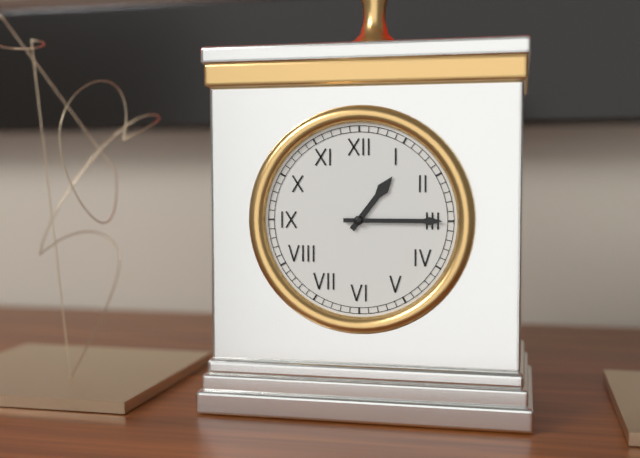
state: 1:15
